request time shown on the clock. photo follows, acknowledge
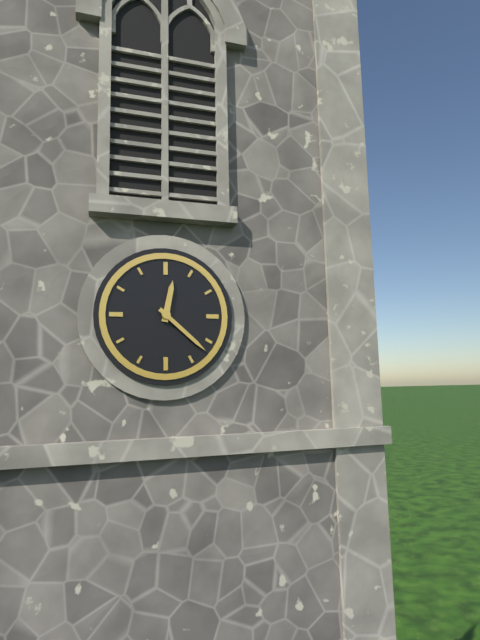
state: 12:22
